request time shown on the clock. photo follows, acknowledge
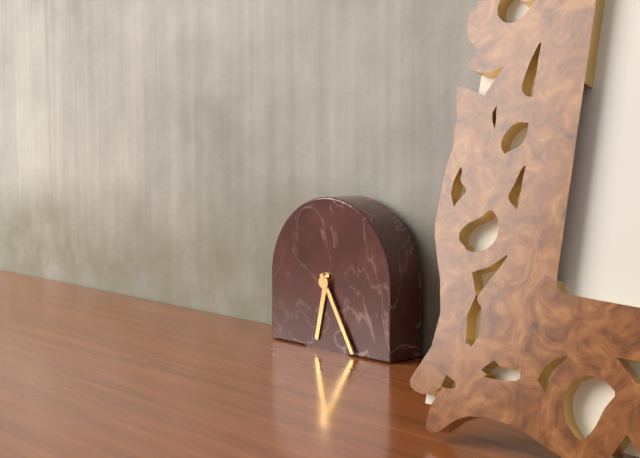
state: 6:25
